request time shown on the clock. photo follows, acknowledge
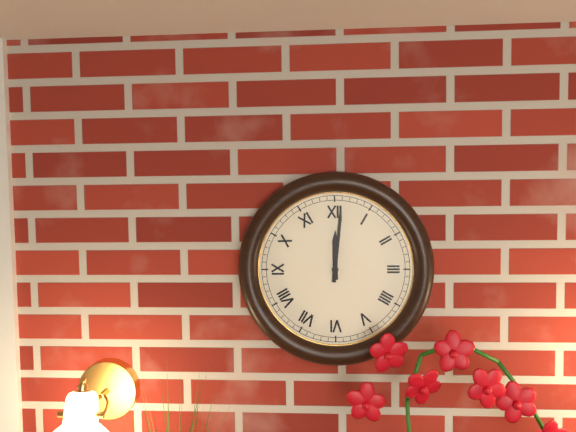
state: 12:01
